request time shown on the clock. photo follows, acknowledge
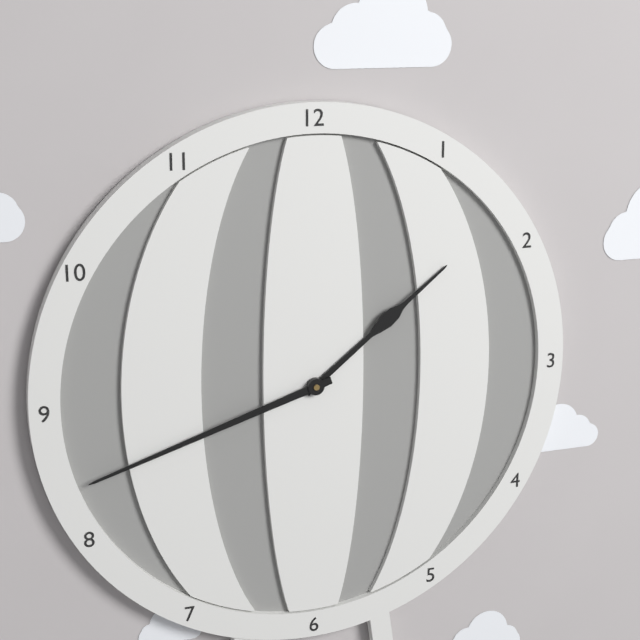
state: 1:42
